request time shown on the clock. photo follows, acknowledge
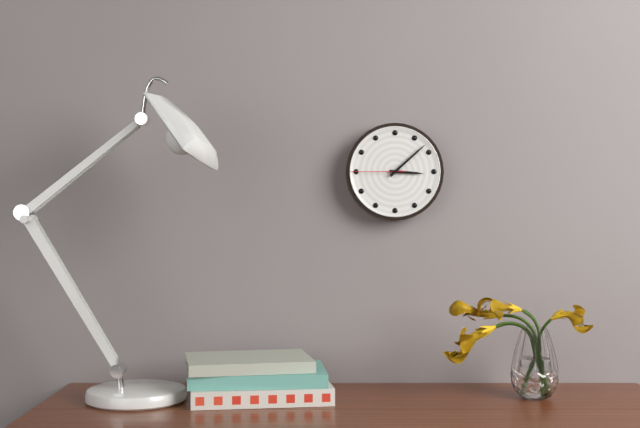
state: 3:08:45
